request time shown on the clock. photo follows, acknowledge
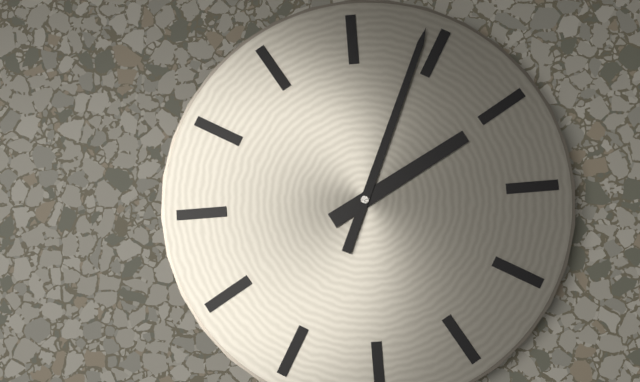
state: 2:04
